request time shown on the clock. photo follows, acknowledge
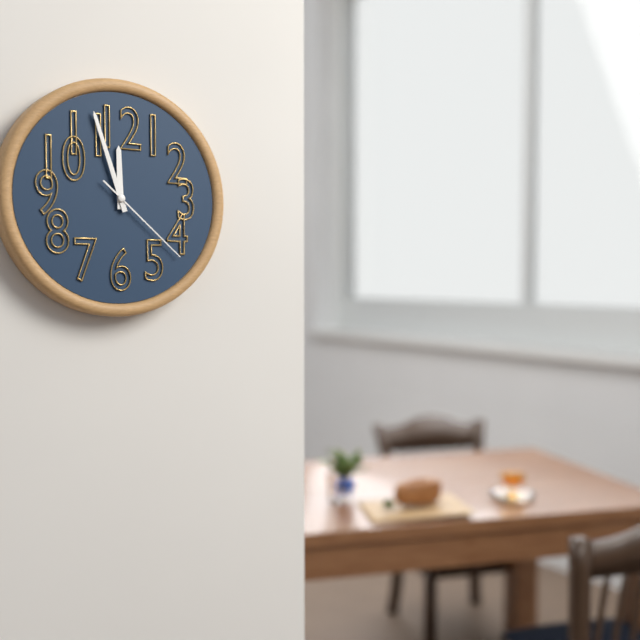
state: 11:57:22
